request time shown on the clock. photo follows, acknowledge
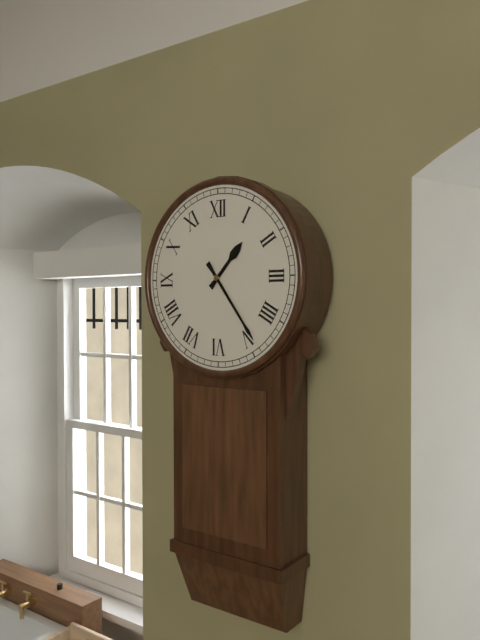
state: 1:24
